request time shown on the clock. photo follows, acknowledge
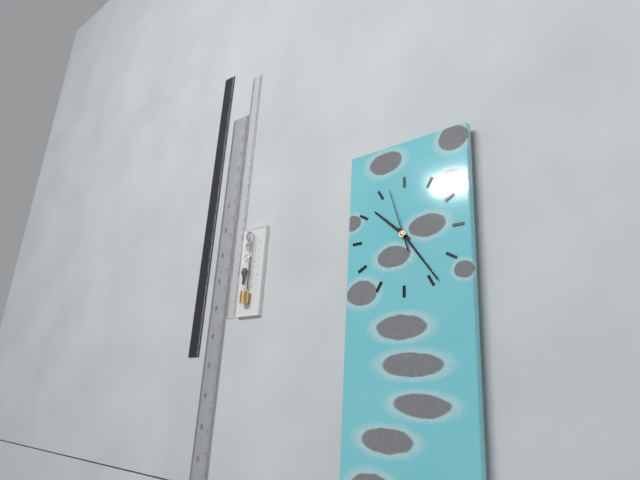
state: 10:24:57
